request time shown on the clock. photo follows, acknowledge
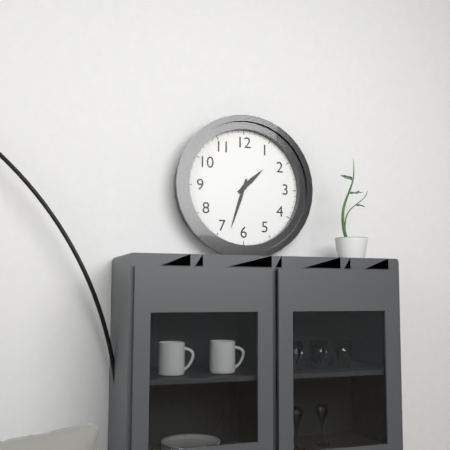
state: 1:33
